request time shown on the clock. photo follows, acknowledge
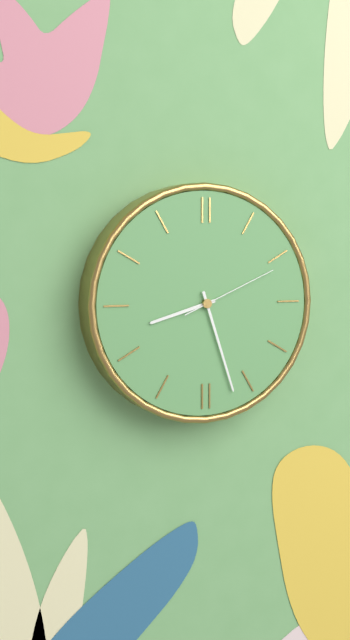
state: 8:27:11
